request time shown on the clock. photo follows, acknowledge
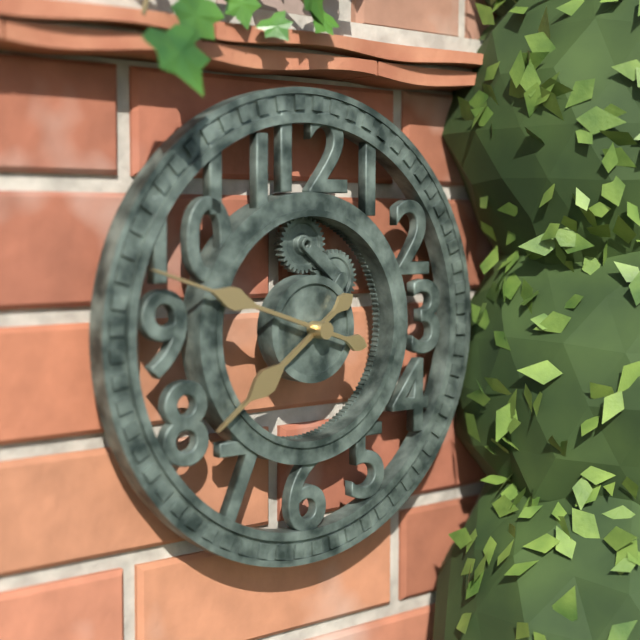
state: 7:48
